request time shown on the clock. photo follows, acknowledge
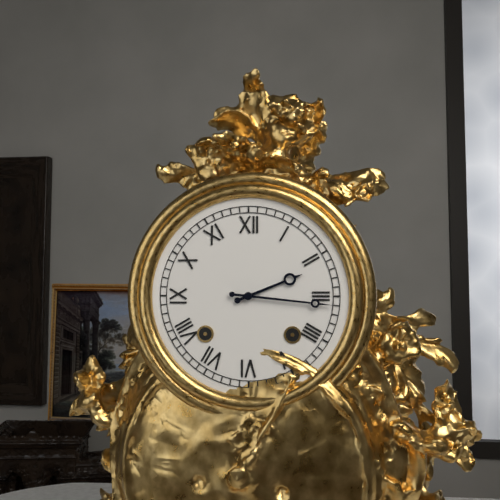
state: 2:16
